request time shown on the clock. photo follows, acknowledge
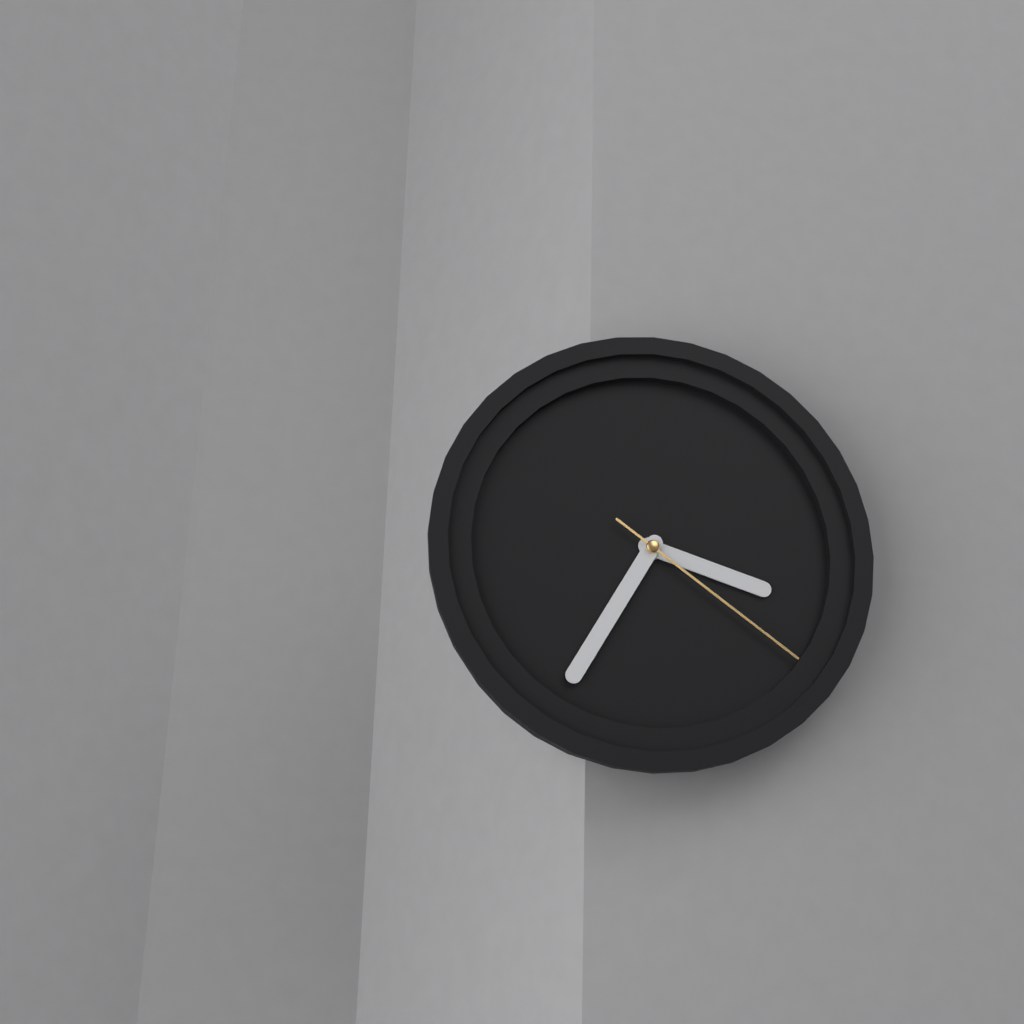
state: 3:35:21
